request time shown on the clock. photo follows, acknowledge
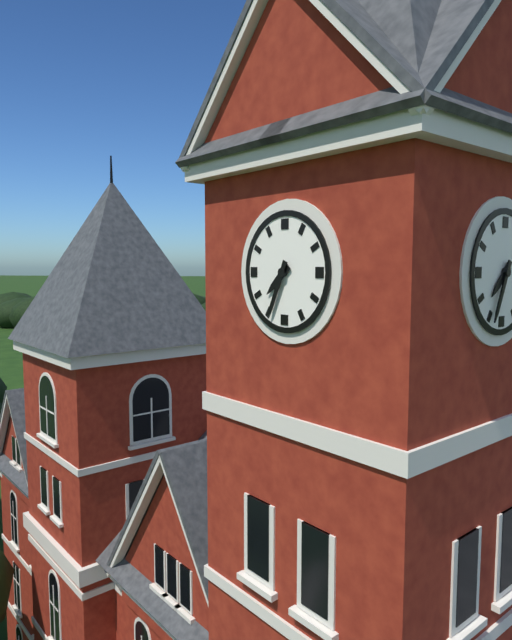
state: 7:34
